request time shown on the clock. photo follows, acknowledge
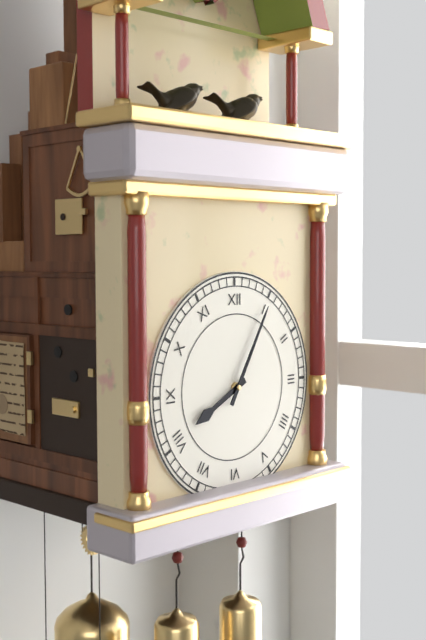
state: 8:05
